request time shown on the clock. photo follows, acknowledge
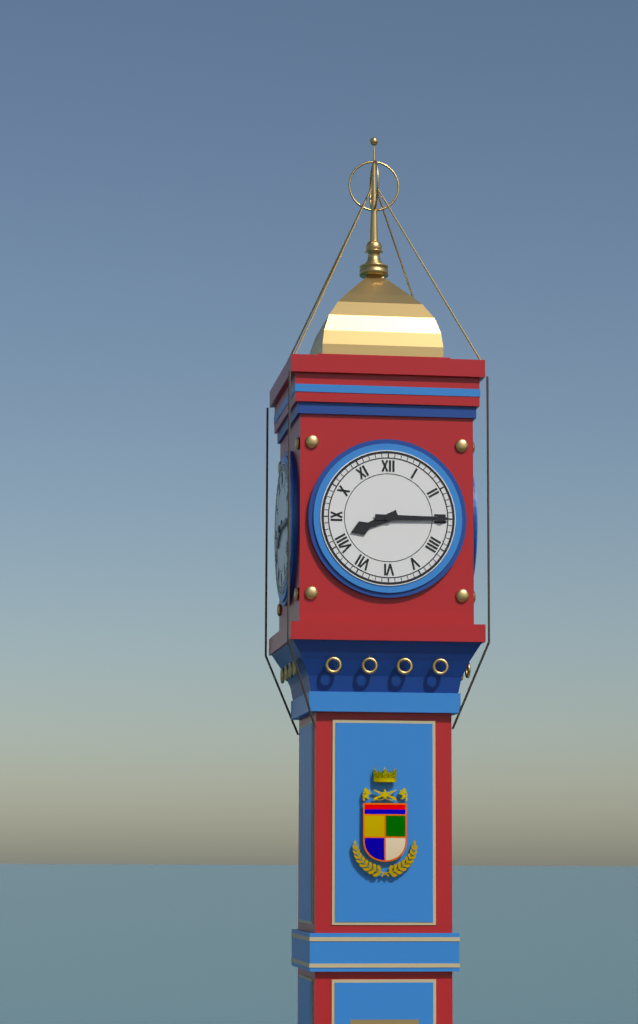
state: 8:15
